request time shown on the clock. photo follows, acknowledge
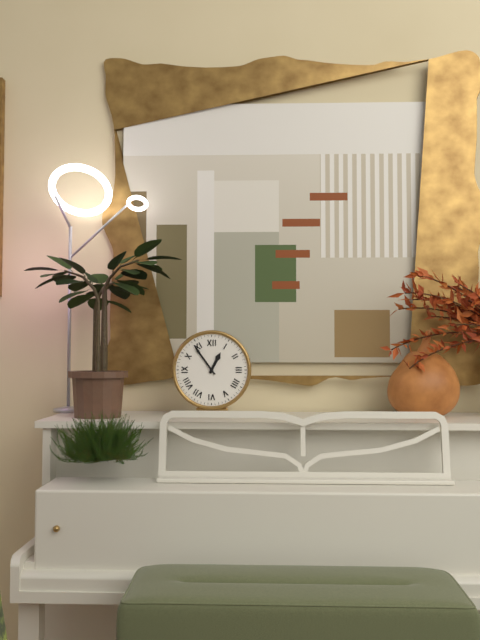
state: 12:54
